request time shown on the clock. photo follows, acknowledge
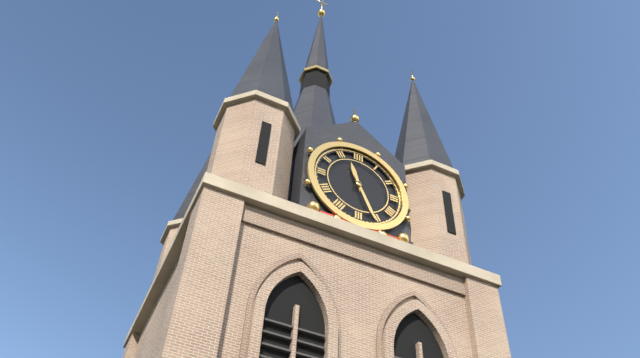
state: 11:26
